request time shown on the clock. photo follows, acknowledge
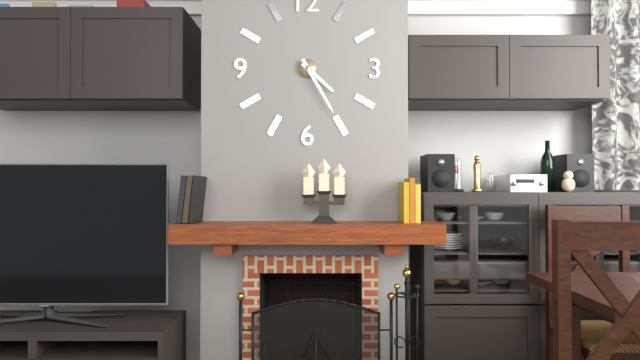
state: 4:25
